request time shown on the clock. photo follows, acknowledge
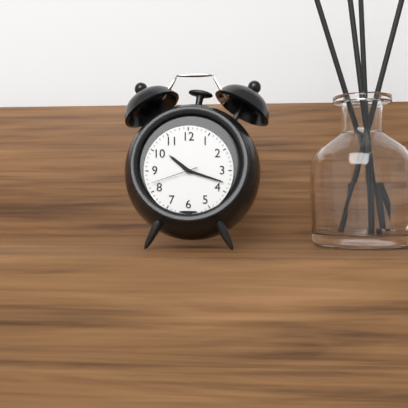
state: 10:18
